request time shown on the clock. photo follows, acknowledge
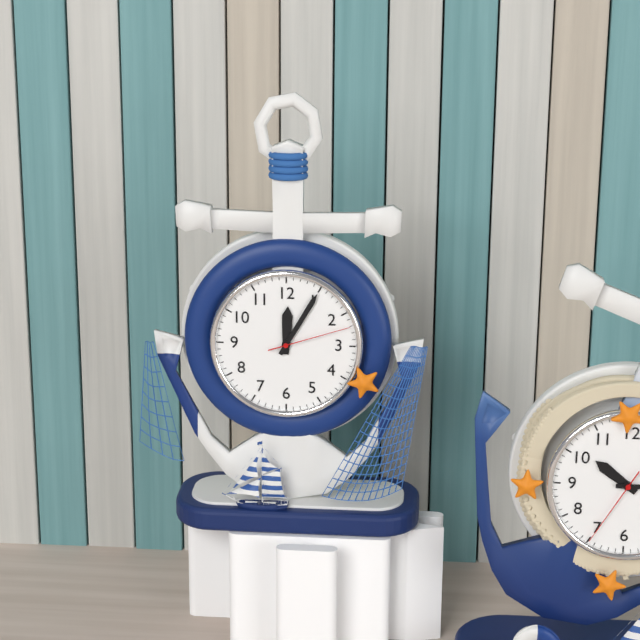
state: 12:05:12
